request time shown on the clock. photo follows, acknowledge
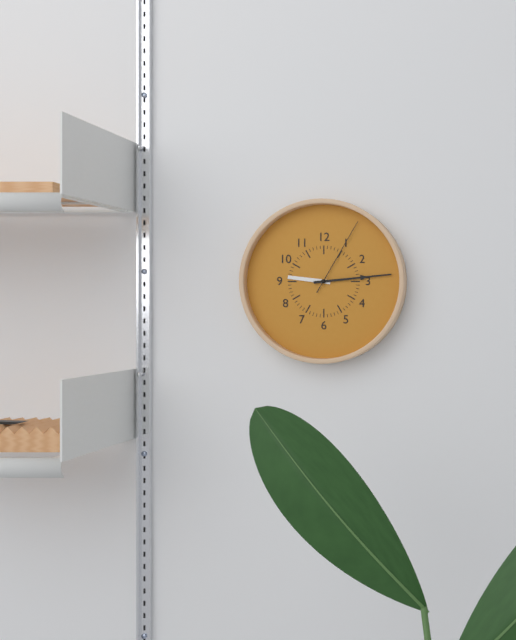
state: 9:14:05
